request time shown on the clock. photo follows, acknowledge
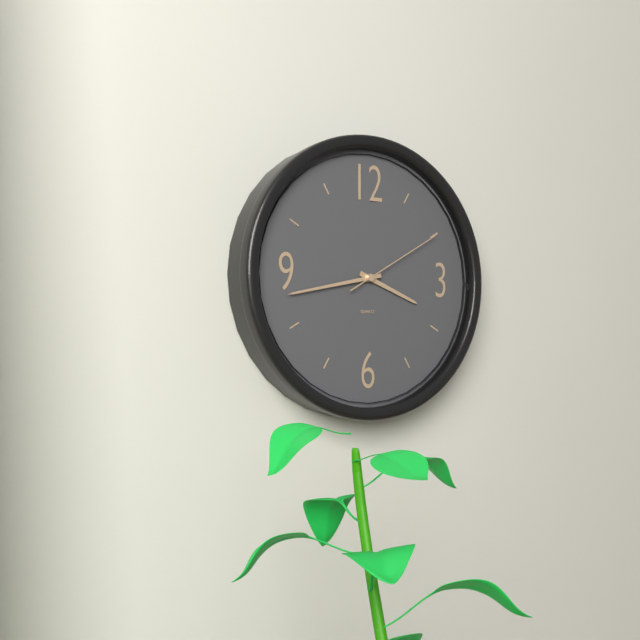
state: 3:43:10
